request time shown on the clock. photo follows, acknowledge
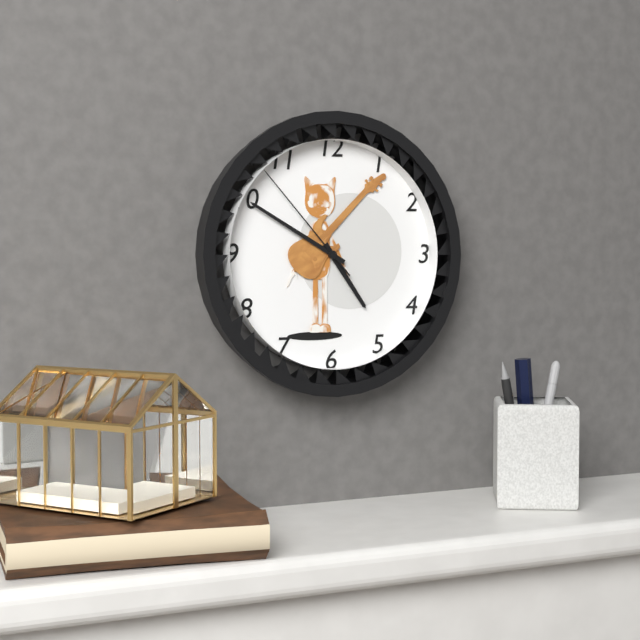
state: 4:50:53
